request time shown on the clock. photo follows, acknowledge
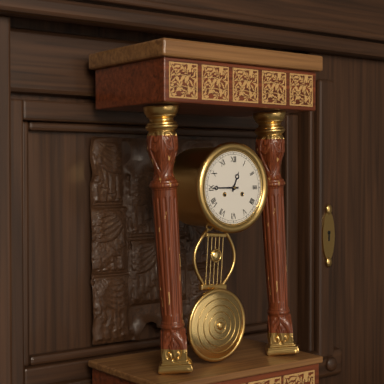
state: 12:45
